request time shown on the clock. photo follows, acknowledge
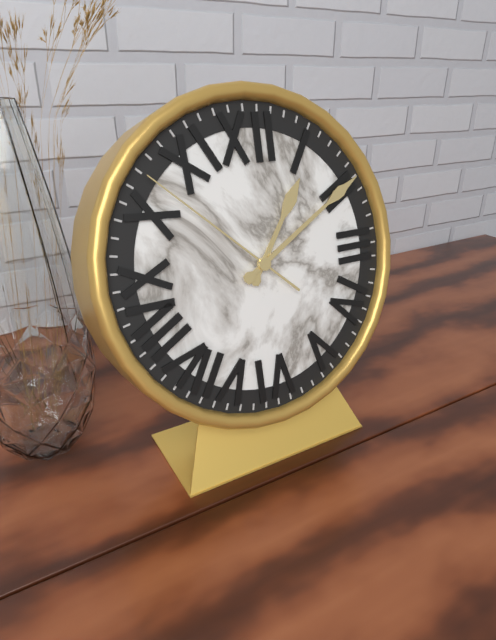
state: 1:10:52
